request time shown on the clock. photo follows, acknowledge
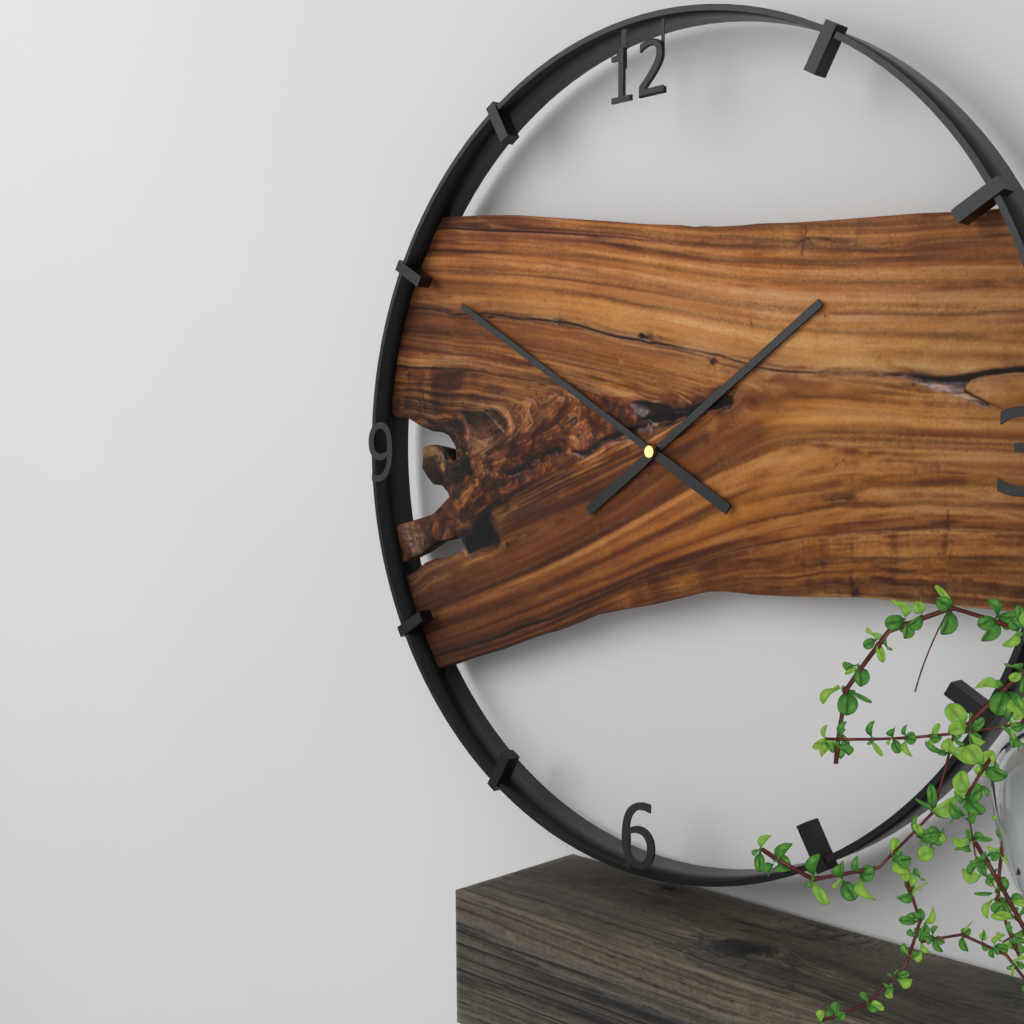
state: 1:50
